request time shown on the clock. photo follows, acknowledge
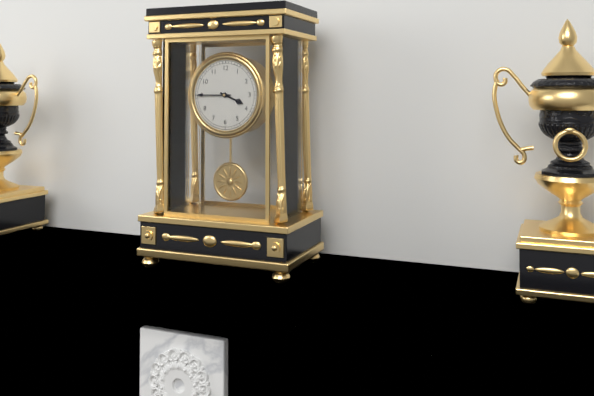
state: 3:45
